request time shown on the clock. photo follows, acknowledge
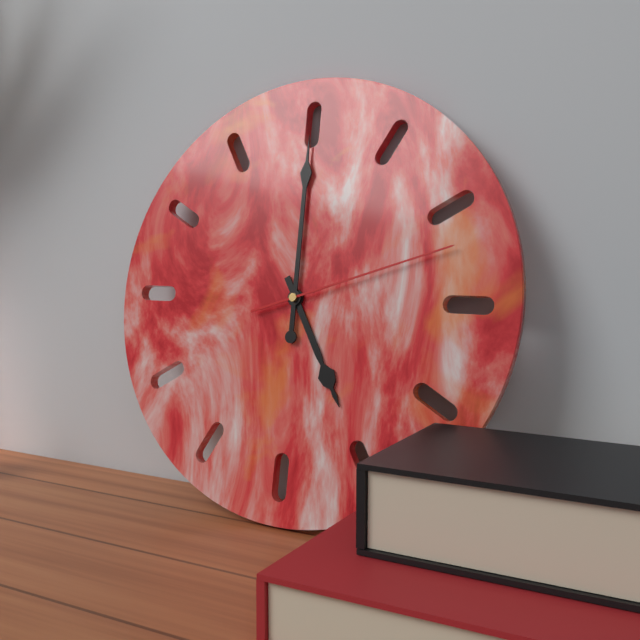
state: 5:00:12
